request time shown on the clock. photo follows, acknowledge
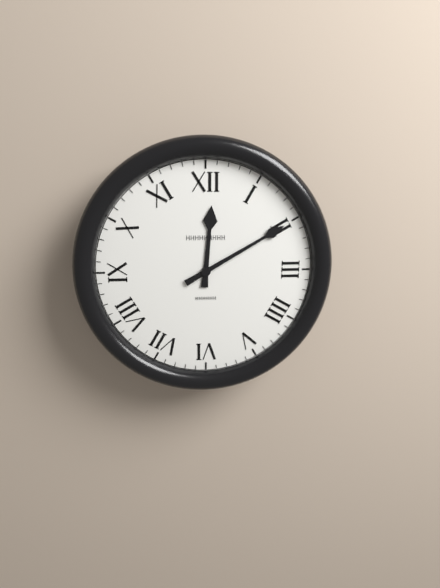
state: 12:10
